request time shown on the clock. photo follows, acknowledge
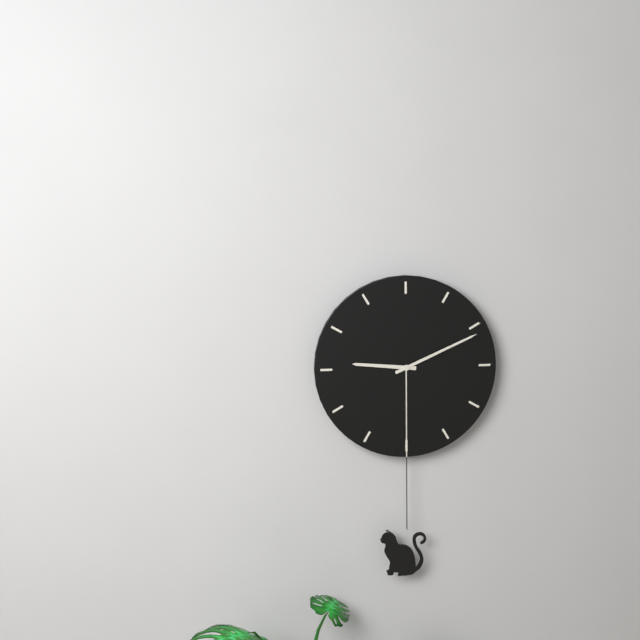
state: 9:11
